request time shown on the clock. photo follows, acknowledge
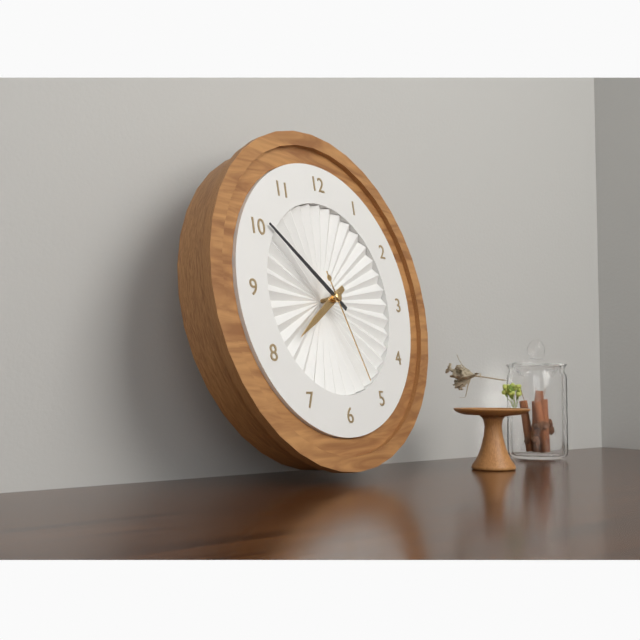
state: 7:51:26
